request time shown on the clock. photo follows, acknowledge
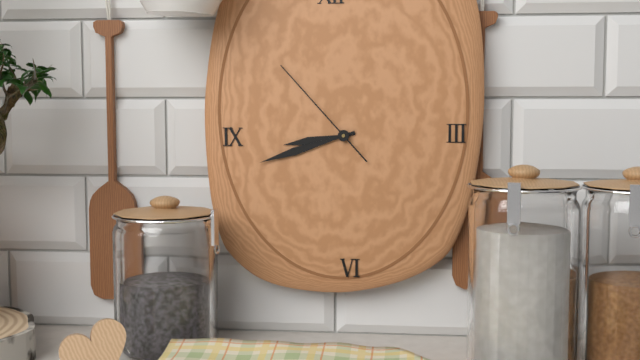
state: 8:42:53
